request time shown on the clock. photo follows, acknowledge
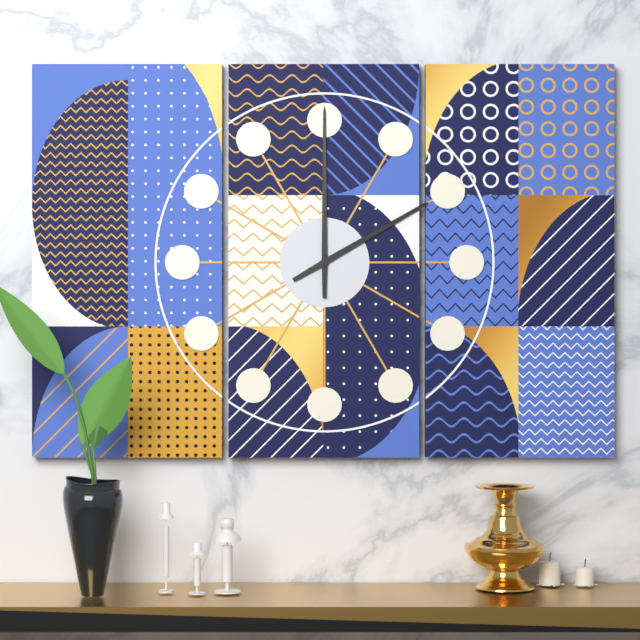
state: 2:00
